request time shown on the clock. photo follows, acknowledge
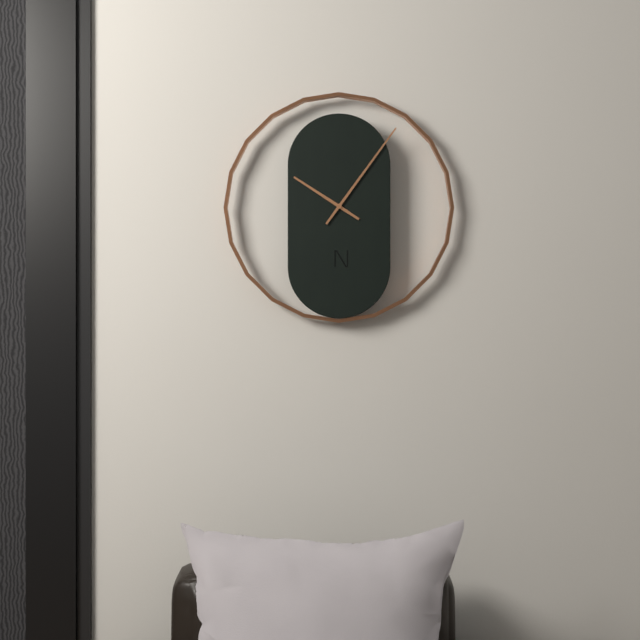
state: 10:06
